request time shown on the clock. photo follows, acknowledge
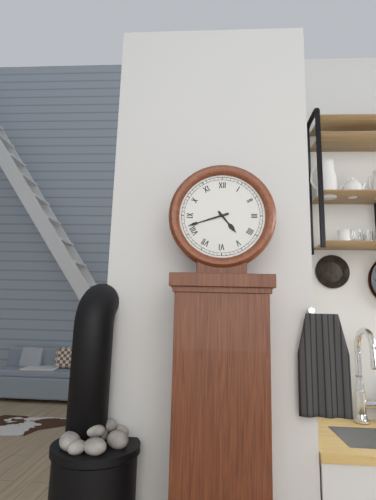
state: 4:42
